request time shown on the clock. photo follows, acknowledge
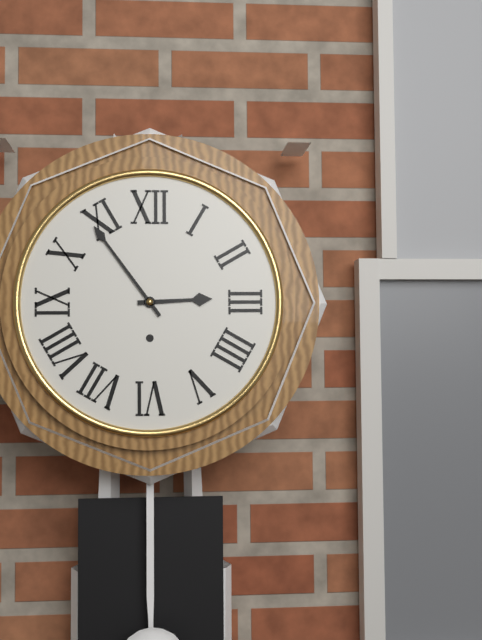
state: 2:54
